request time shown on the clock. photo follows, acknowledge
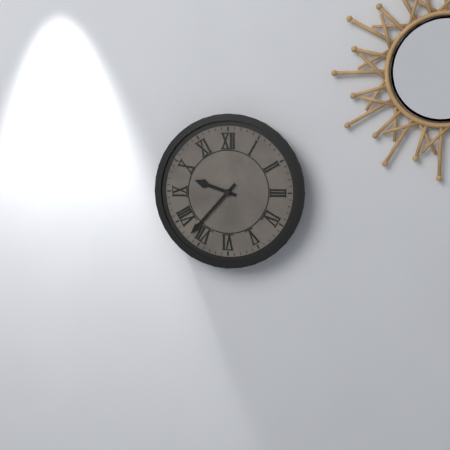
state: 9:37
